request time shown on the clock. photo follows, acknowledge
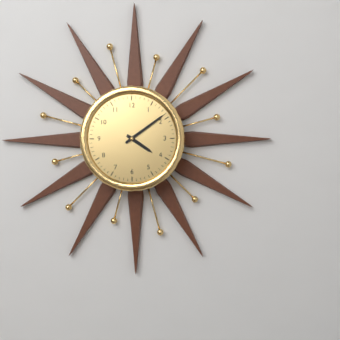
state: 4:09
